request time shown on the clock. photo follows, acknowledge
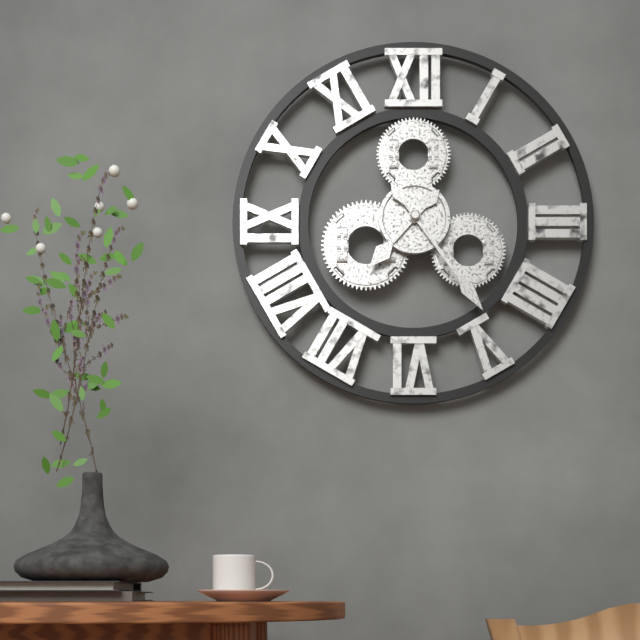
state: 7:24
